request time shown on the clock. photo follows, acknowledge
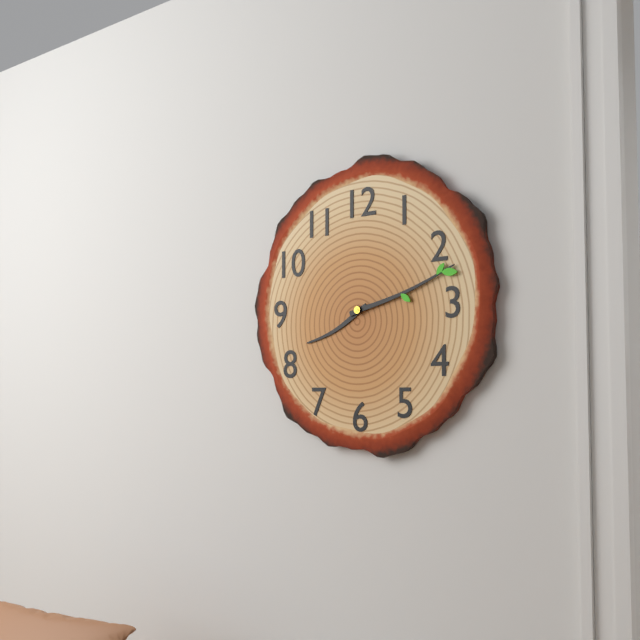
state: 8:12
